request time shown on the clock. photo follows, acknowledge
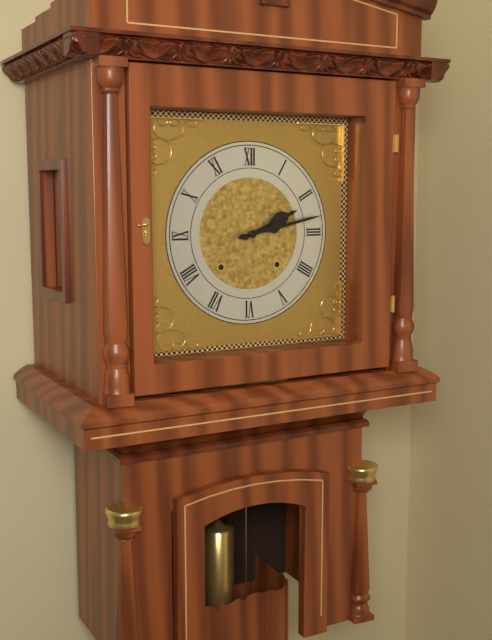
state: 2:13
